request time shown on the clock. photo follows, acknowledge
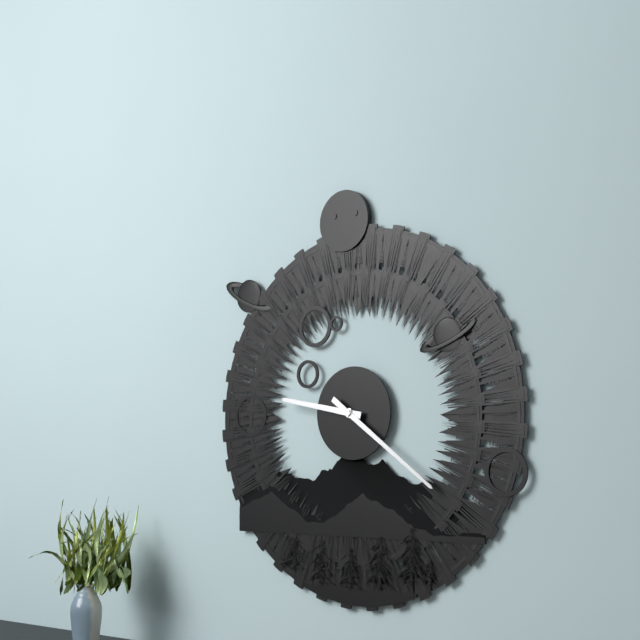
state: 9:21
